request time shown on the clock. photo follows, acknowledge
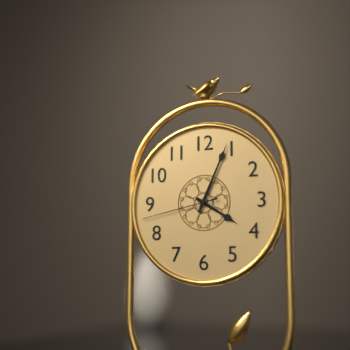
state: 4:04:43
